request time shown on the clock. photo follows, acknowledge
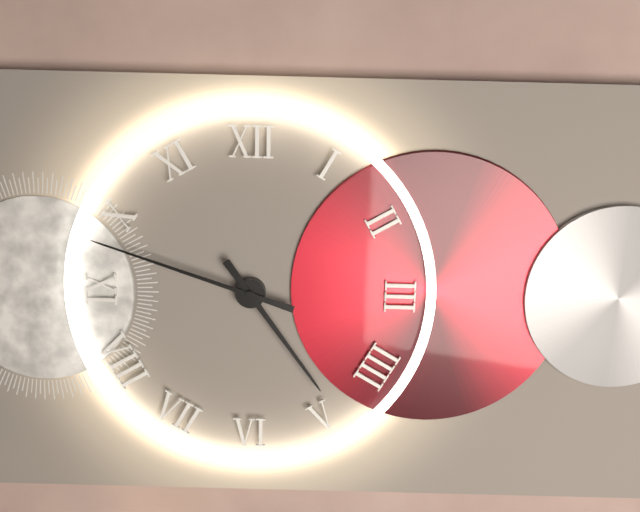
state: 4:48
